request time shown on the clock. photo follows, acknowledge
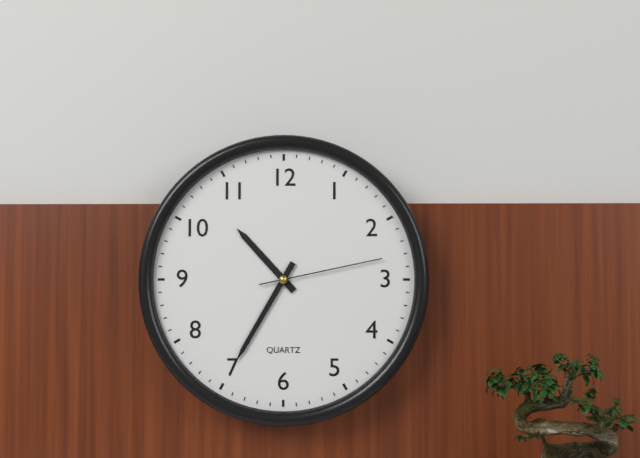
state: 10:35:13
